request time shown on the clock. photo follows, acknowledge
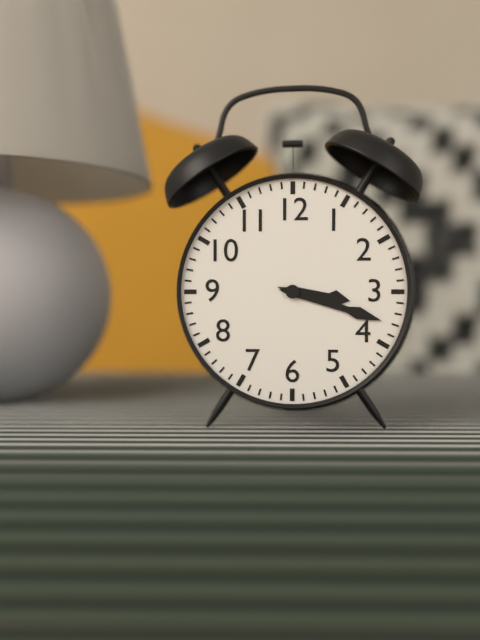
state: 3:18
